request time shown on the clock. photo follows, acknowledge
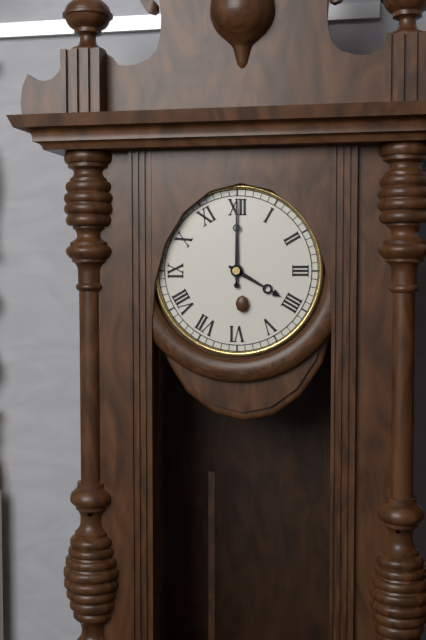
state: 4:00
